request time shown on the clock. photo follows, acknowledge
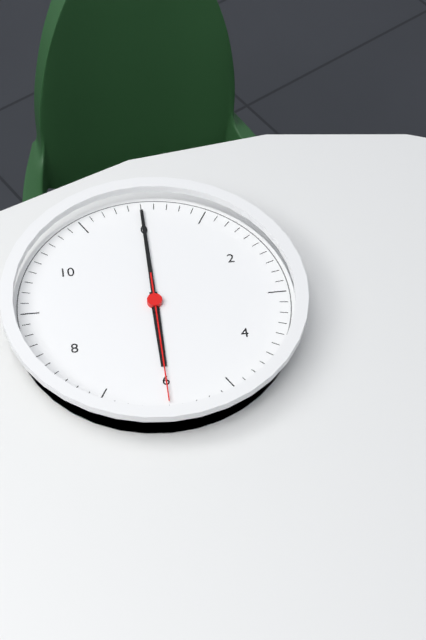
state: 6:00:30
